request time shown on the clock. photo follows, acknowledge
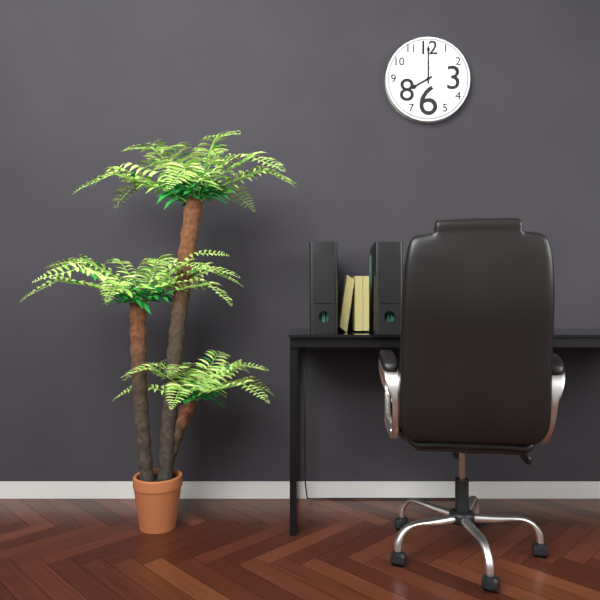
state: 8:00
